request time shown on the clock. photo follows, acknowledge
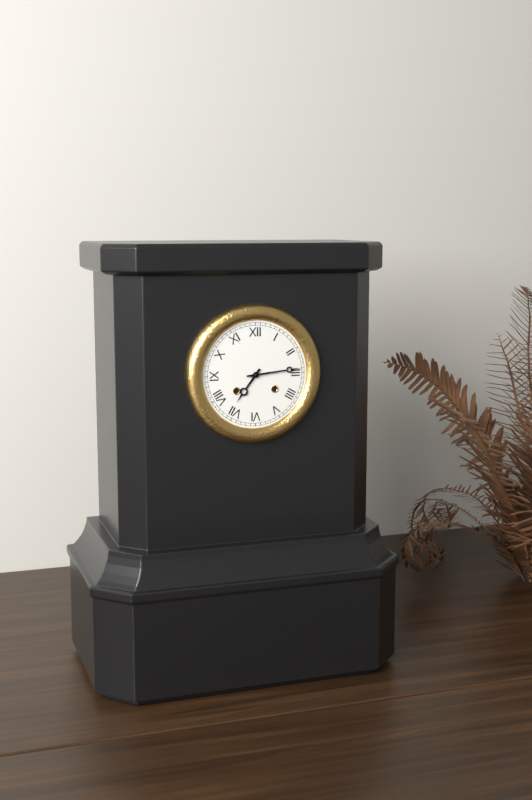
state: 7:14
